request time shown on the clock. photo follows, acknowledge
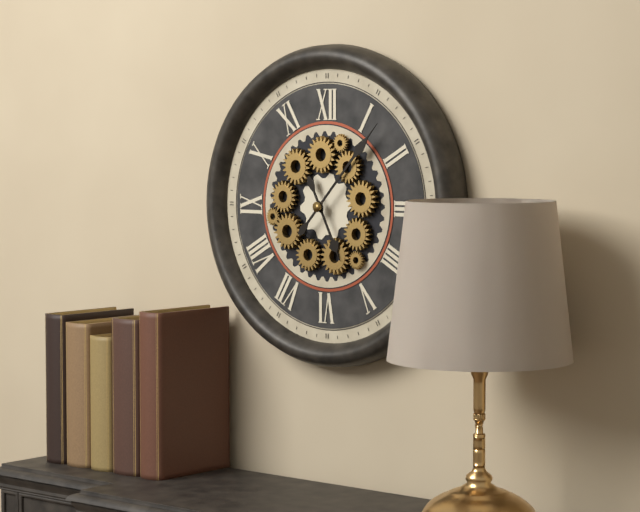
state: 5:07
